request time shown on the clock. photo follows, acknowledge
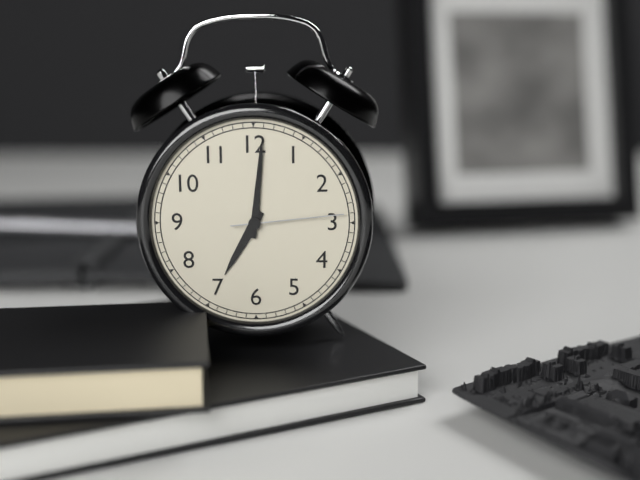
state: 7:01:14
